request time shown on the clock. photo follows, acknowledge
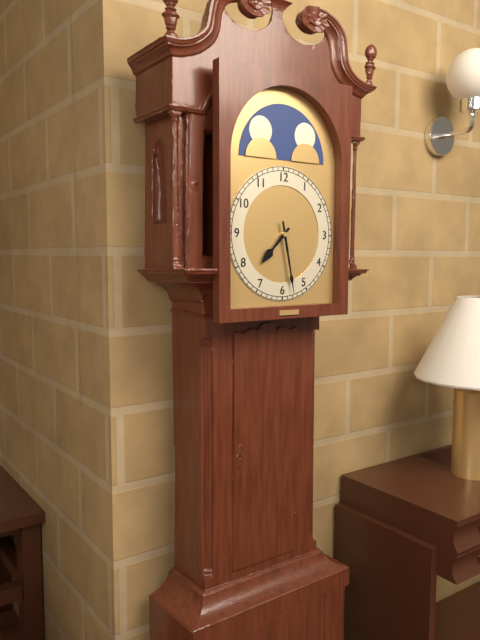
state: 7:28
